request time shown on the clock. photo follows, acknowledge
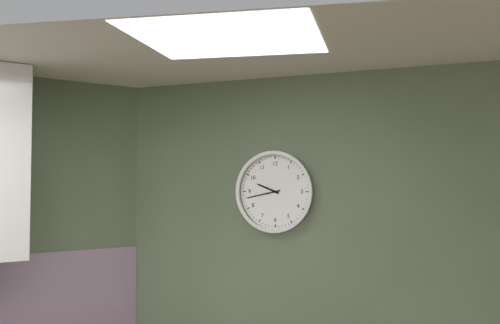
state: 9:43
